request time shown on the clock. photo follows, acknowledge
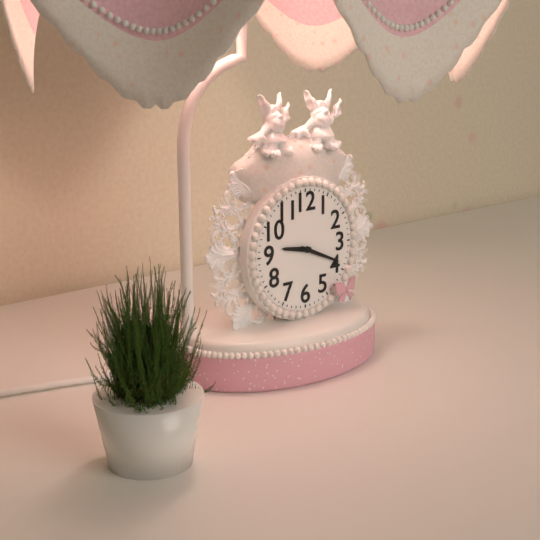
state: 9:19
